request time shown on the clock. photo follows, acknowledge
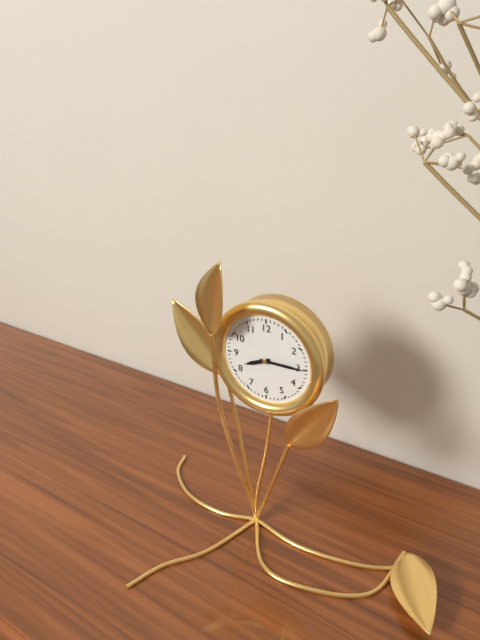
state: 8:15
